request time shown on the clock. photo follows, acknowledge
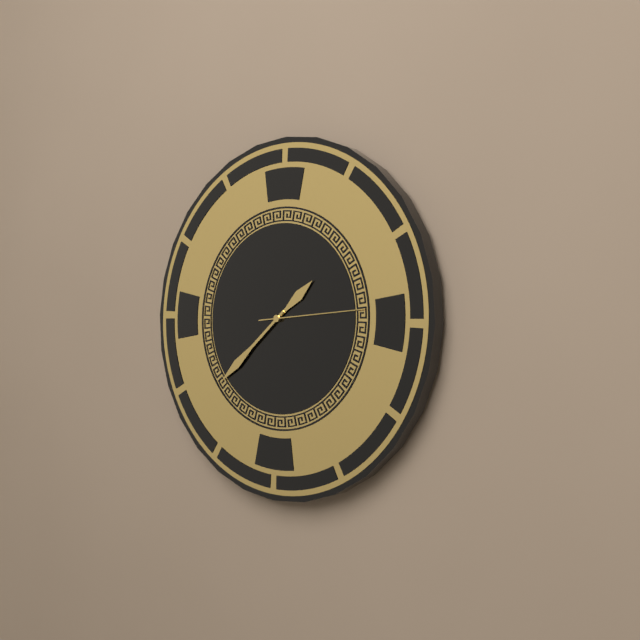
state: 1:38:14
